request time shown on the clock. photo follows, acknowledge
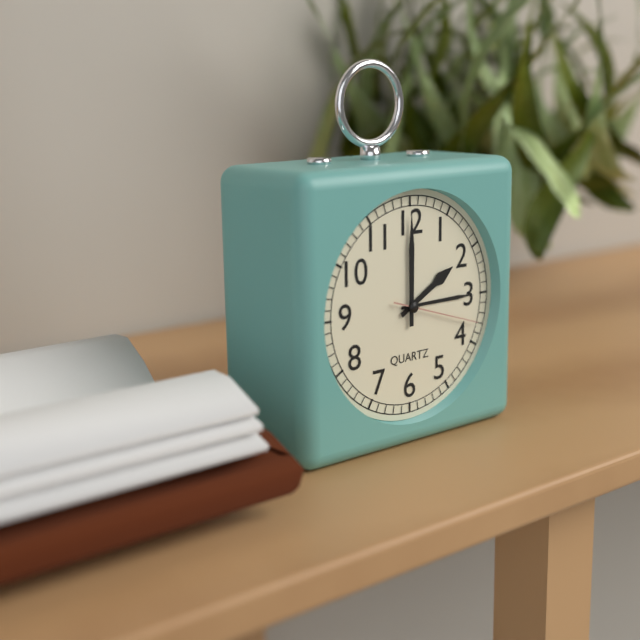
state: 2:00:18
